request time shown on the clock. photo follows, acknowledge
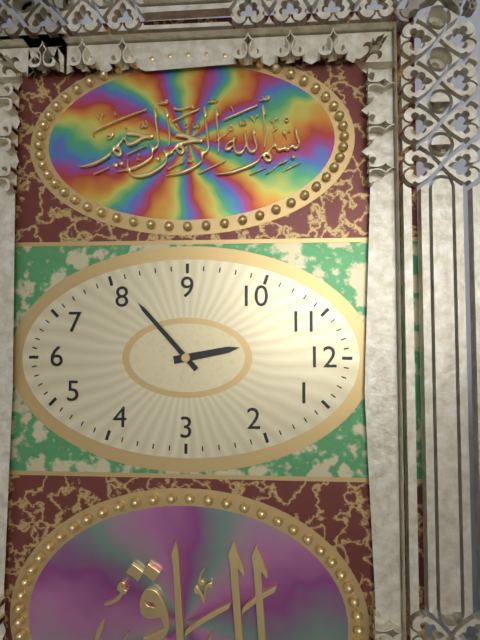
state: 11:38
